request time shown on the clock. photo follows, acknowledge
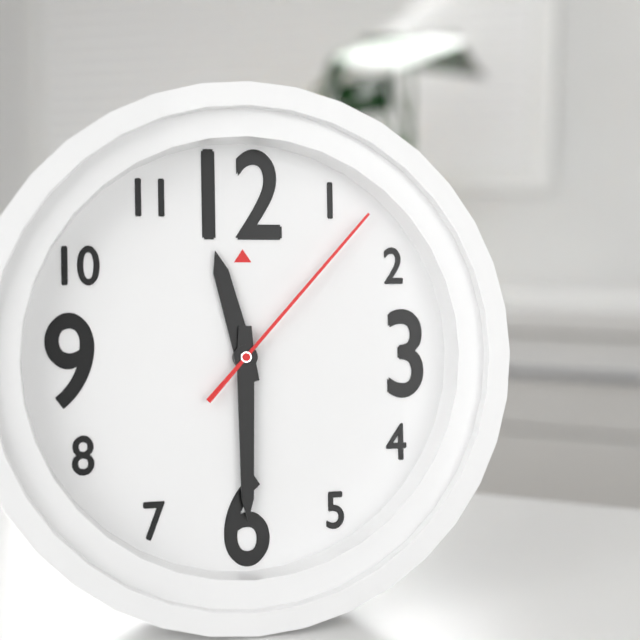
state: 11:30:07
